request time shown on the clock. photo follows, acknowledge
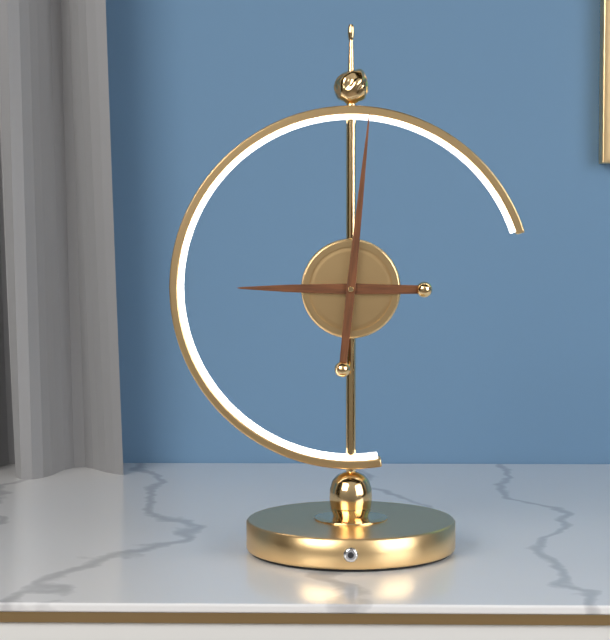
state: 9:01
